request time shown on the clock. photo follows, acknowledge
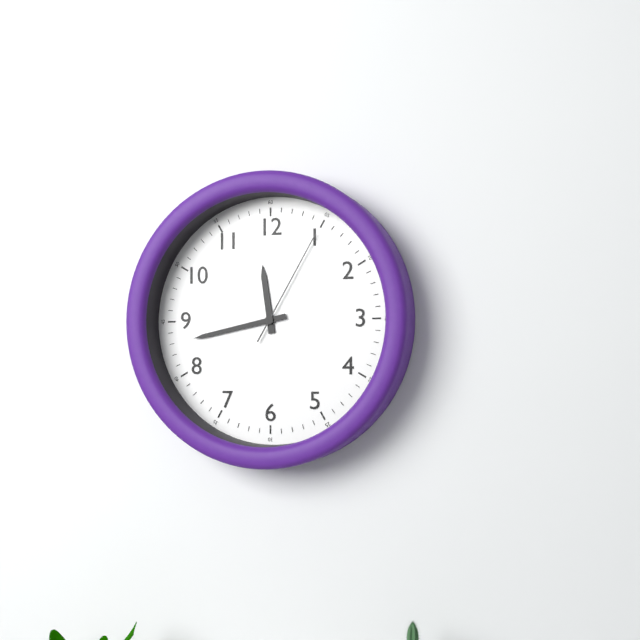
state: 11:43:05
